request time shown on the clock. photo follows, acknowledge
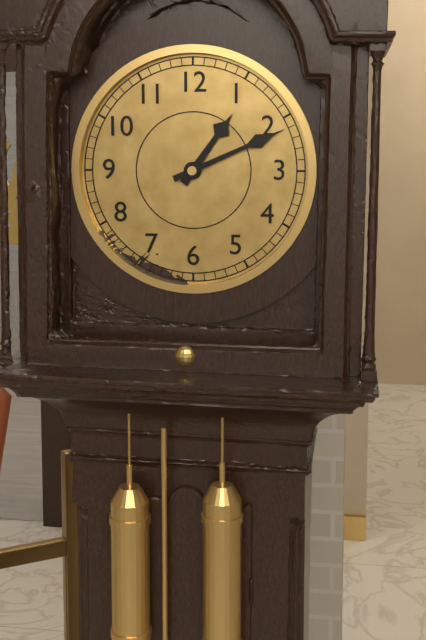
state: 1:11
